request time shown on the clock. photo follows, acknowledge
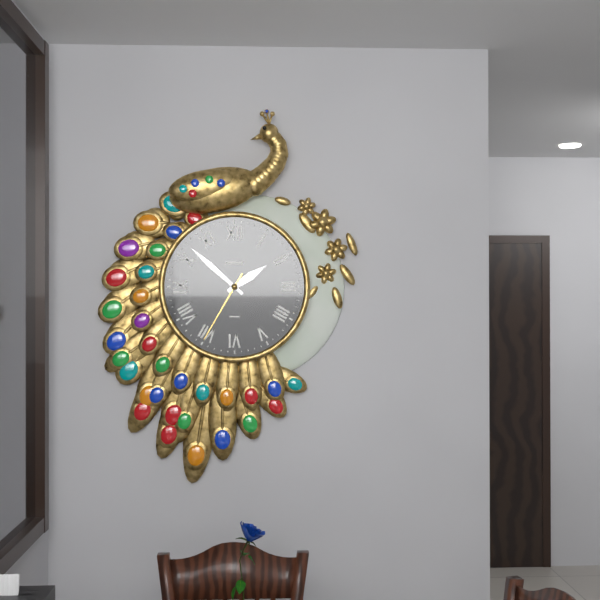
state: 1:52:35
